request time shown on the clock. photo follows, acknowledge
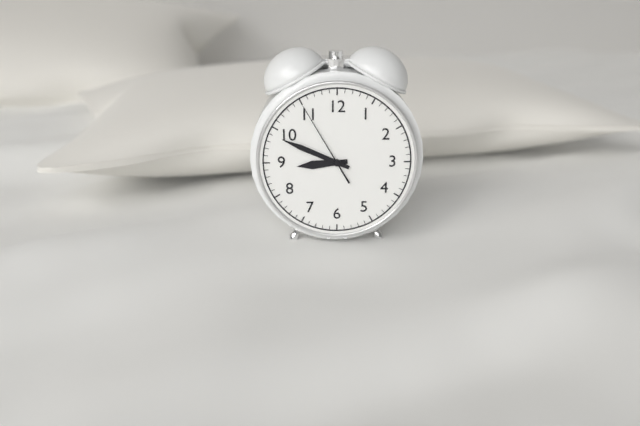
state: 8:49:55
